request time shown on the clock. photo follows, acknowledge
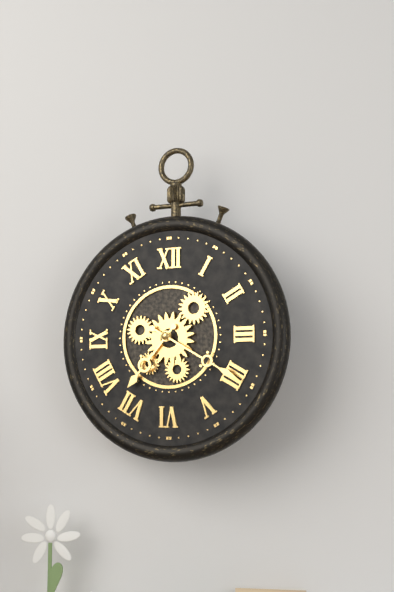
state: 7:20
